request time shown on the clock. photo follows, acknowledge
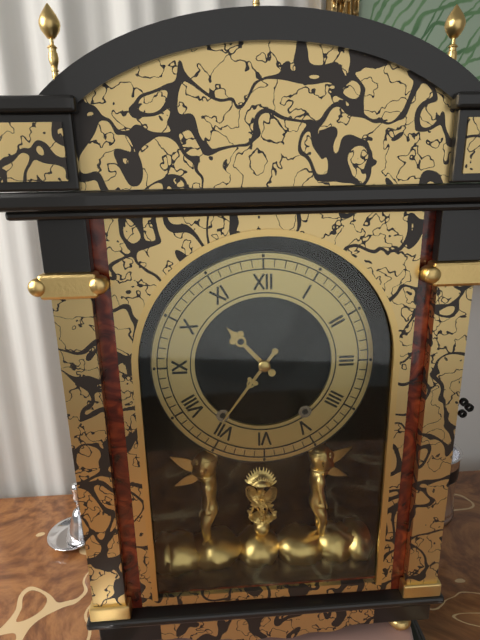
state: 10:36
